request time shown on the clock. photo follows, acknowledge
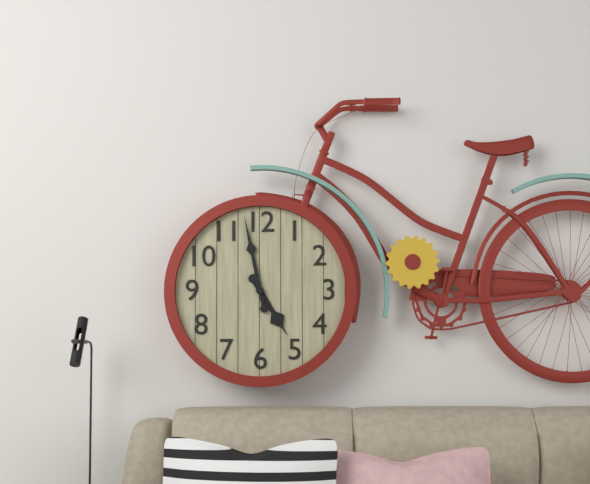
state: 4:58
